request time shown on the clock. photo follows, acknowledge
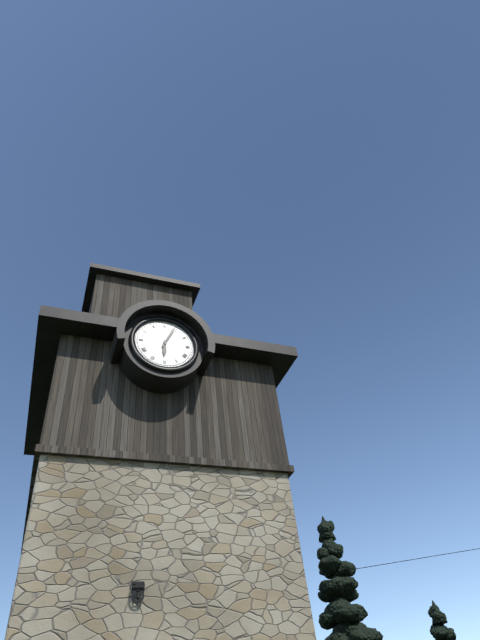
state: 6:04
